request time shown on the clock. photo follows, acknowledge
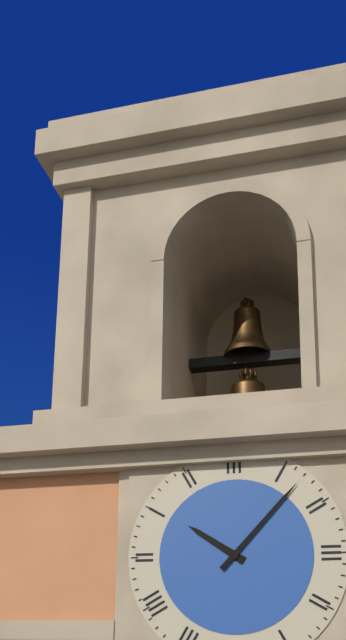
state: 10:07
